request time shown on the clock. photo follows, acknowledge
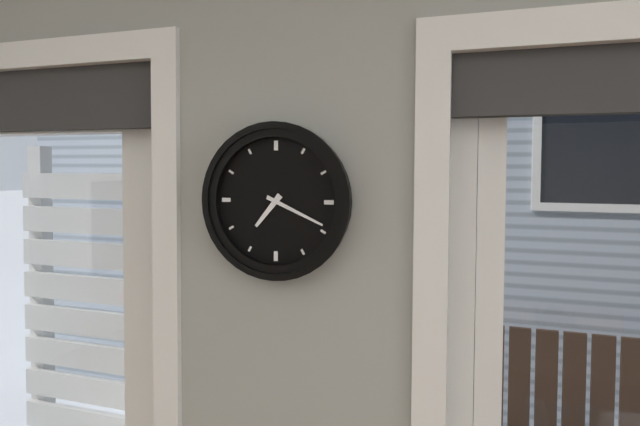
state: 7:19
